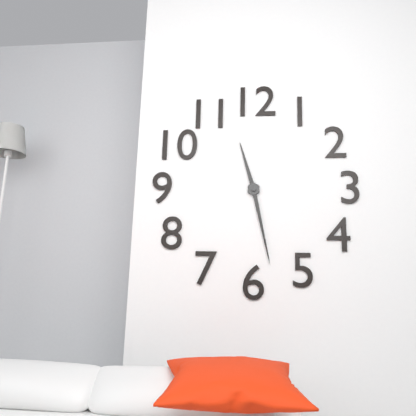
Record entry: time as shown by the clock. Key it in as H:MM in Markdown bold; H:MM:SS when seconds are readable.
**11:28**
